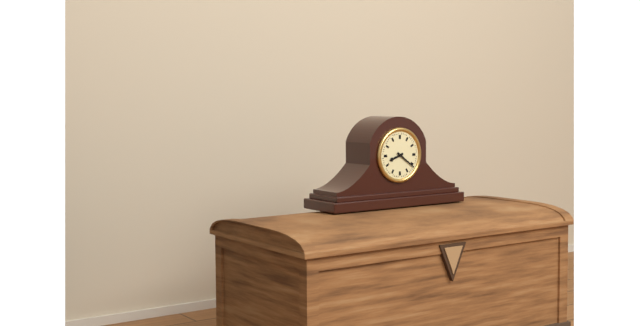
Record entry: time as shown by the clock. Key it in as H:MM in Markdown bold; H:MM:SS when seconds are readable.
**8:21**
